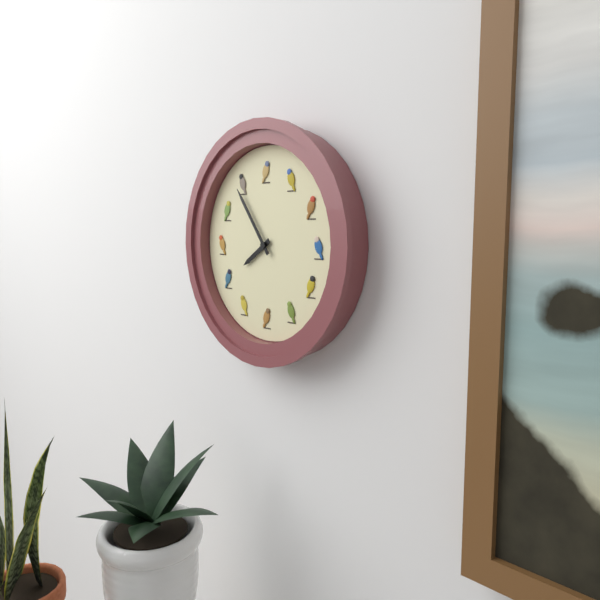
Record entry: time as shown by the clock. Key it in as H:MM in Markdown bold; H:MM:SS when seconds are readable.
**7:54**
